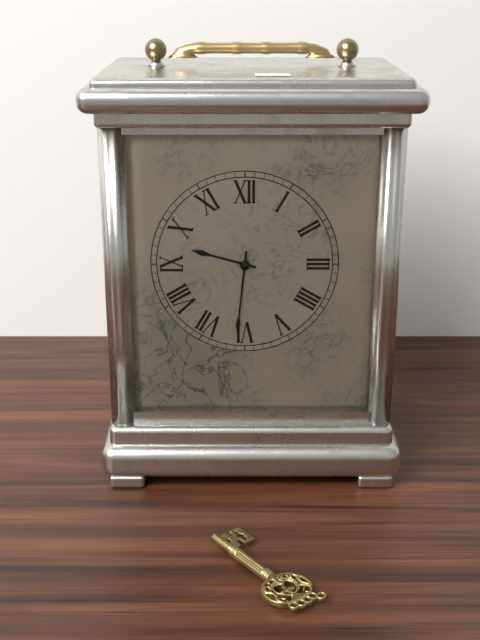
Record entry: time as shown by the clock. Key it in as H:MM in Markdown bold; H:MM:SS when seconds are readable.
**9:31**
